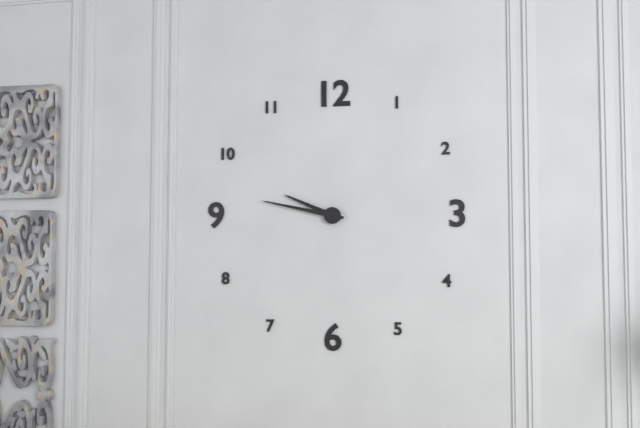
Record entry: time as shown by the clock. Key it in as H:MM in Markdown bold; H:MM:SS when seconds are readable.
**9:47**
